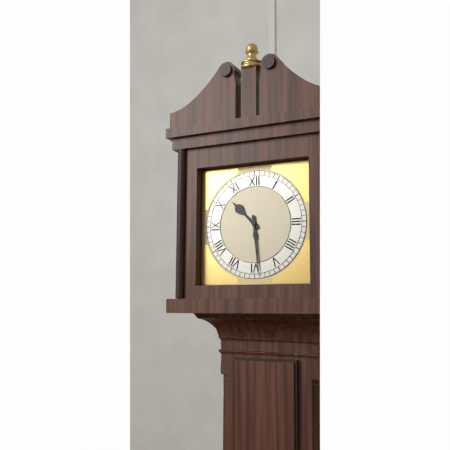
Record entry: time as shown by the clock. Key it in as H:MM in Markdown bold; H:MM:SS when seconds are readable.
**10:29**
